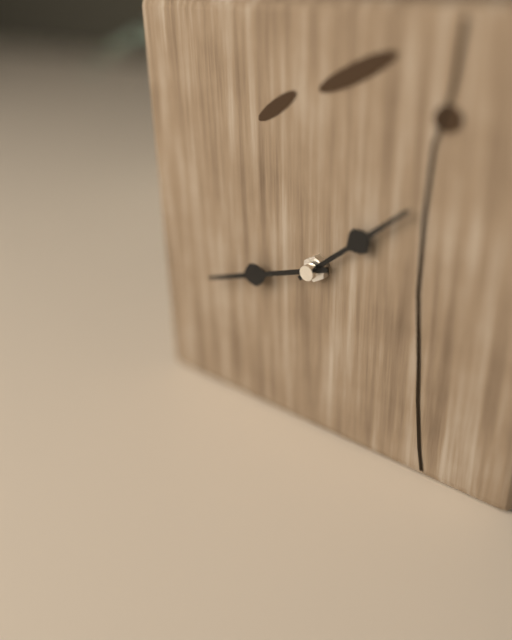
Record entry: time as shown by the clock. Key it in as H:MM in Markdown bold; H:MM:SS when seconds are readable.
**1:42**
